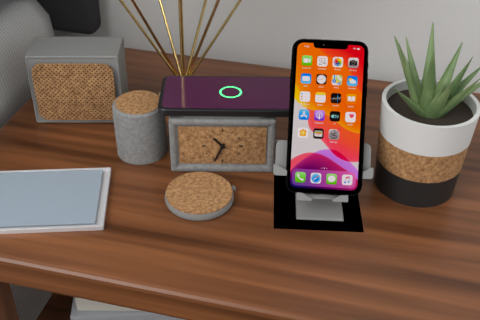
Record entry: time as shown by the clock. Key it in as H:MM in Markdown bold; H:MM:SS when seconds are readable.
**10:34**
